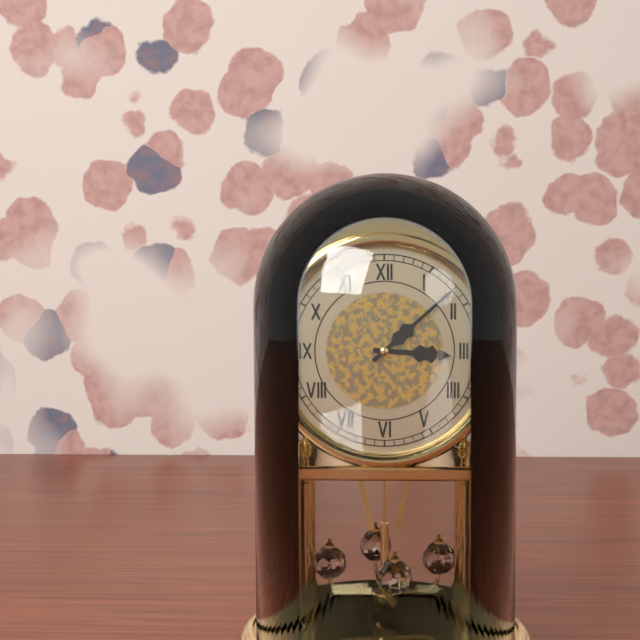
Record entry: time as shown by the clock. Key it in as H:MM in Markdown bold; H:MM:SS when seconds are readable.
**3:08**
